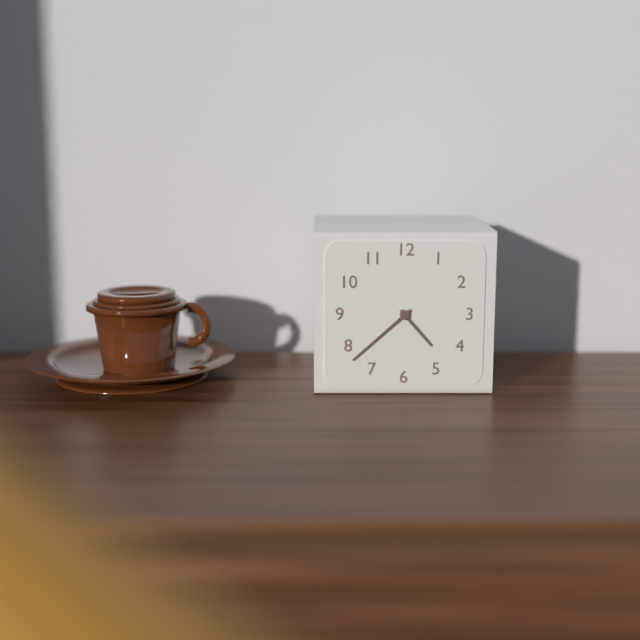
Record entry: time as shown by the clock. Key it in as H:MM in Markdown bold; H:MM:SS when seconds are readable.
**4:38**
